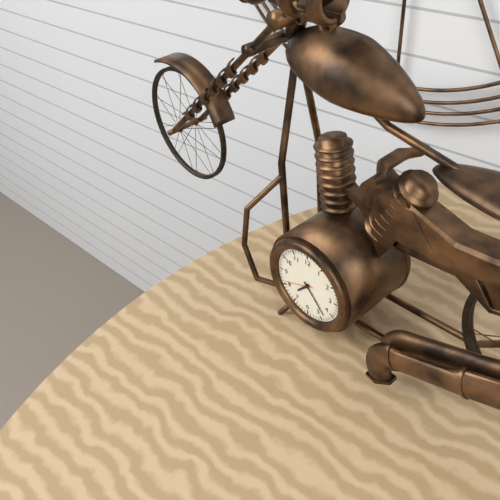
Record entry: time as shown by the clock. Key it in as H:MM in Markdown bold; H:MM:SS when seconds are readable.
**7:23**
